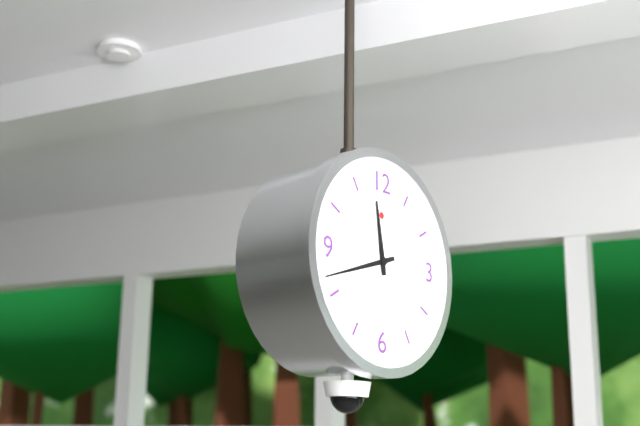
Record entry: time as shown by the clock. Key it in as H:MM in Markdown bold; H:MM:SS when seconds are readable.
**11:42**
